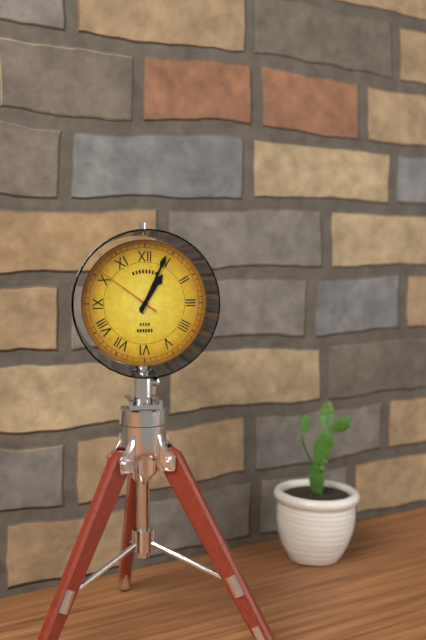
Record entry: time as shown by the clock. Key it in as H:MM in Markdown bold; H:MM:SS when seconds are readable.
**1:04:51**
